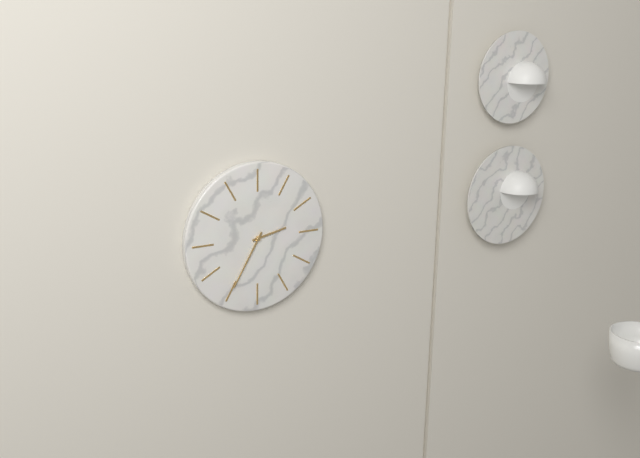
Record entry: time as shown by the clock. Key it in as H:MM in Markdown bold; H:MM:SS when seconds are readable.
**2:35**
